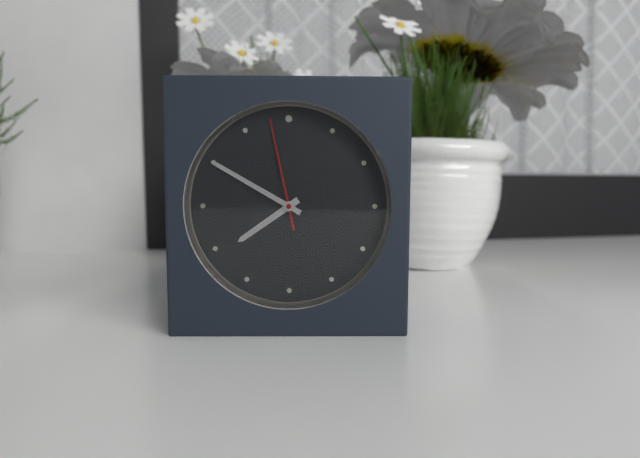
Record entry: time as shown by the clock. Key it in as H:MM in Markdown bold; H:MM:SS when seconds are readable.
**7:50:58**
